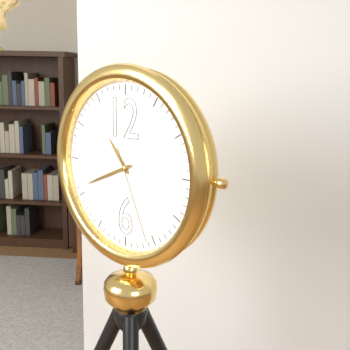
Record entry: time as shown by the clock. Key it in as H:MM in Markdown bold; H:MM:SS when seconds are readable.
**10:41:26**
